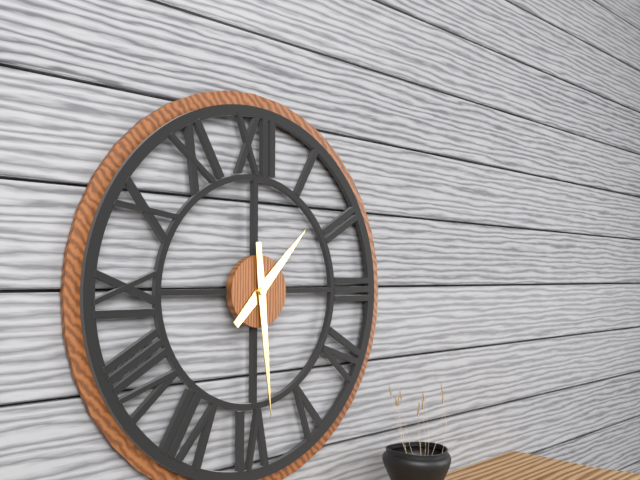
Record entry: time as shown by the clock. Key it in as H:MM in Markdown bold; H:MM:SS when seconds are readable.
**1:29**
